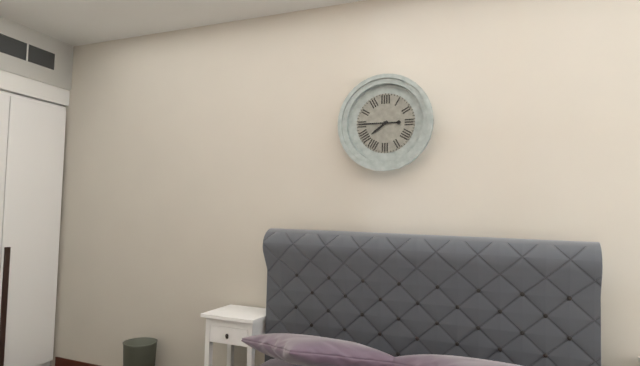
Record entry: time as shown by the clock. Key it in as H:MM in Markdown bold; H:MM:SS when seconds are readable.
**7:45**
